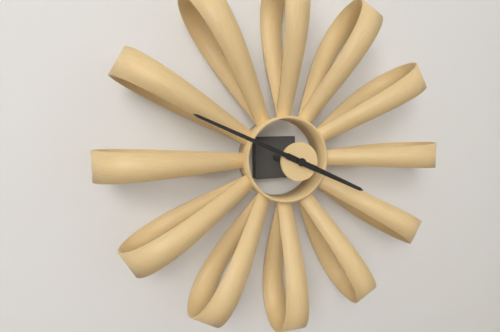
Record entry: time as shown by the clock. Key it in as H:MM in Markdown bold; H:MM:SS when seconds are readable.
**3:49**
